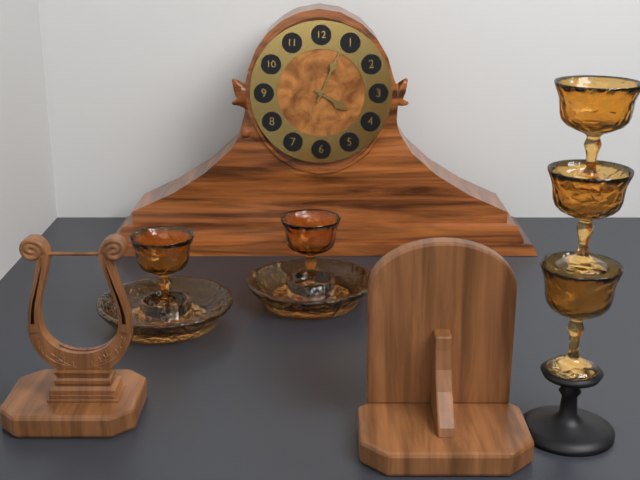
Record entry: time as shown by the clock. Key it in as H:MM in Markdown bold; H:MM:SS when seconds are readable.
**4:04**
